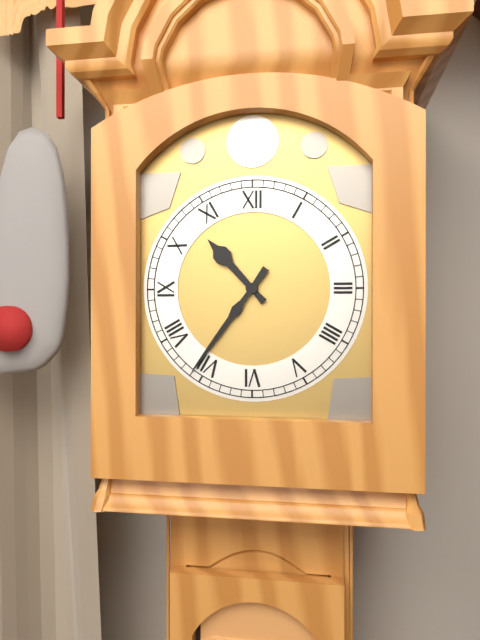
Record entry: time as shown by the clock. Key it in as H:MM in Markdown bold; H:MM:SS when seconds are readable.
**10:36**
